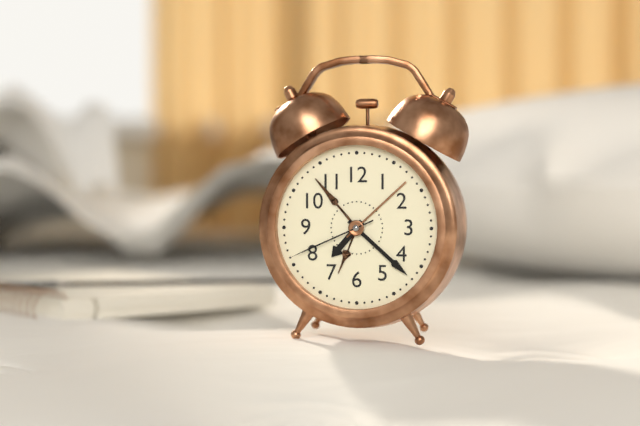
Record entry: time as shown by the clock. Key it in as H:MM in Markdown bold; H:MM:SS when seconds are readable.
**7:22:41**
